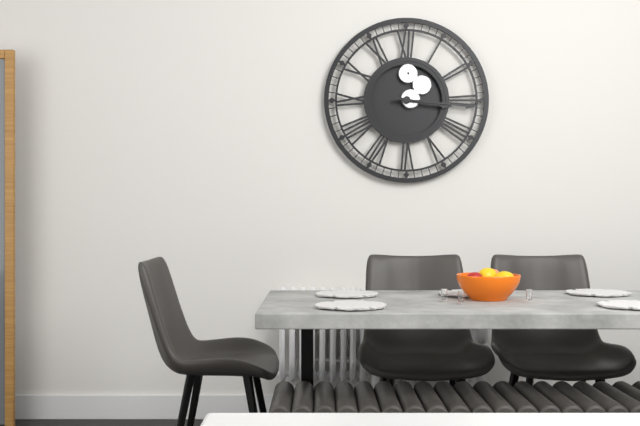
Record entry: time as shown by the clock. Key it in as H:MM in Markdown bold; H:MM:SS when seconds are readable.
**3:16**
